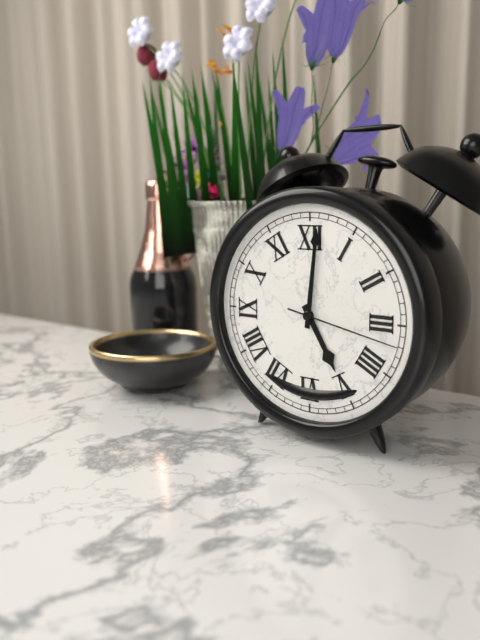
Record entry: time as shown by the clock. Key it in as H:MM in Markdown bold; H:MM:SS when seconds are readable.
**5:01:17**
